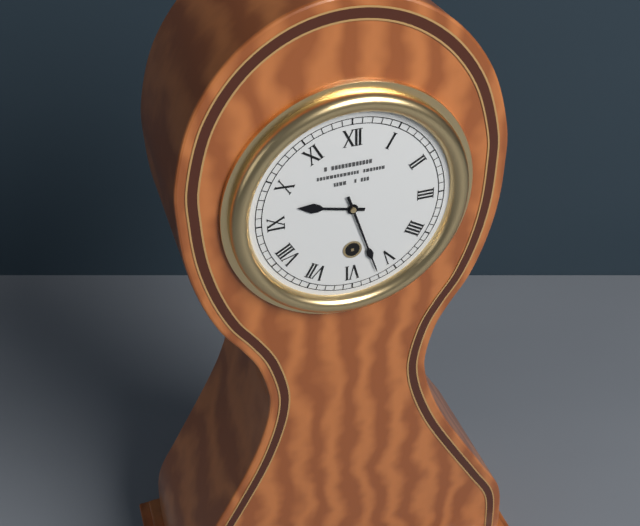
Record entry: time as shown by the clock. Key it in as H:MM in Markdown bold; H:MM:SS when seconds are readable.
**9:27**
